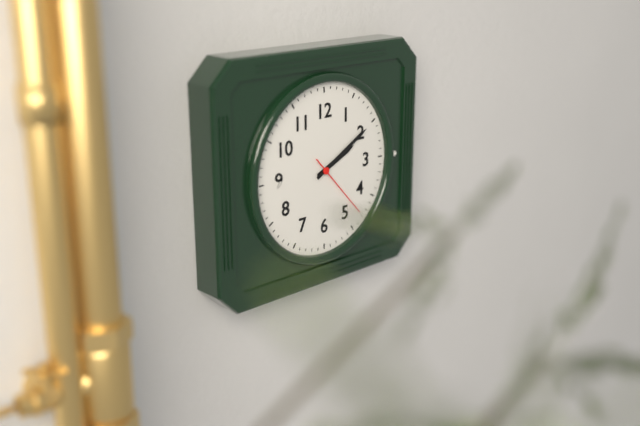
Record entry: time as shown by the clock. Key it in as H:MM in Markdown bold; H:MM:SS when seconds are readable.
**2:10:23**
